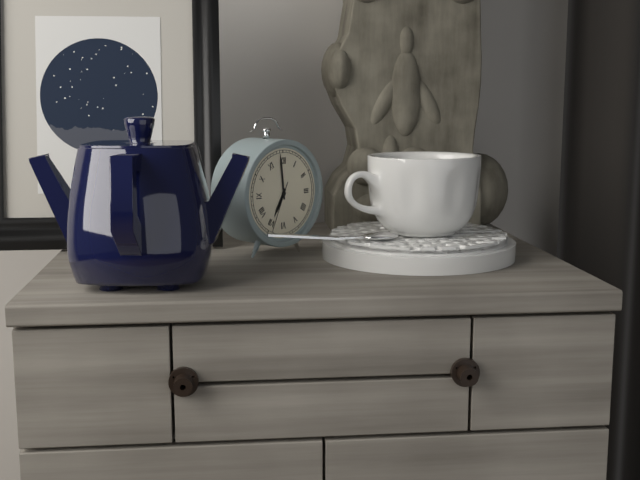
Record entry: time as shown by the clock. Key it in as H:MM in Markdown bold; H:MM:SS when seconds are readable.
**6:59:34**
